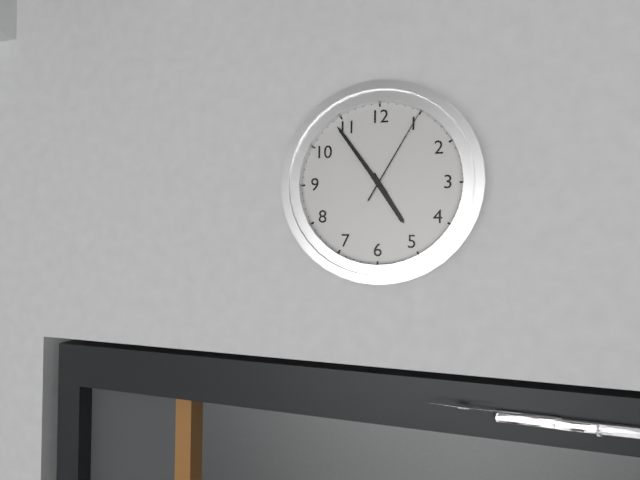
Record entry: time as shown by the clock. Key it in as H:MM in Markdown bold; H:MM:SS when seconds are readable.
**4:54:05**
